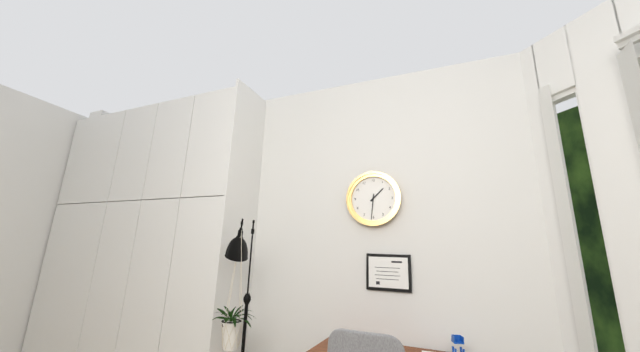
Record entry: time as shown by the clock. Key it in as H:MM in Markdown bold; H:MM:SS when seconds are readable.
**1:31**
